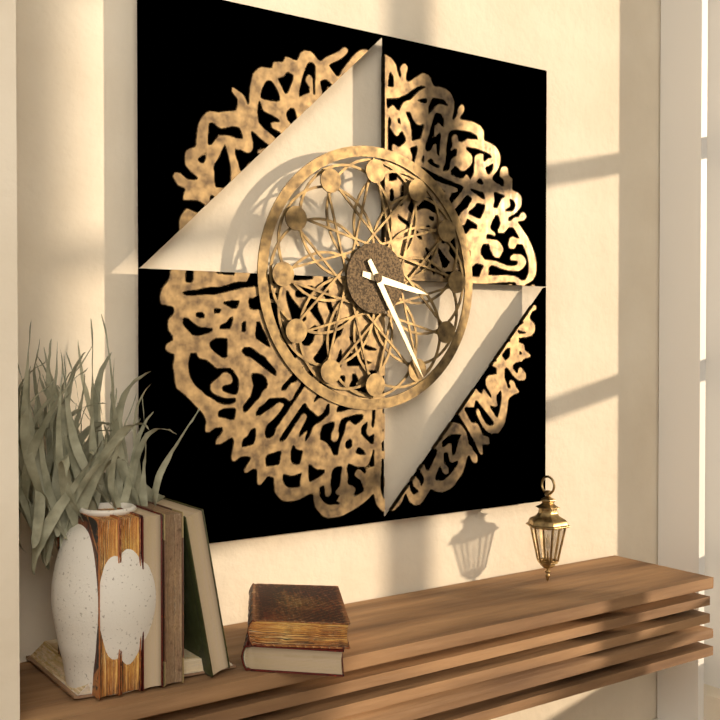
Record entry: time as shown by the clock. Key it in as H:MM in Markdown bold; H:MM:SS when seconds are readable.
**3:25**
